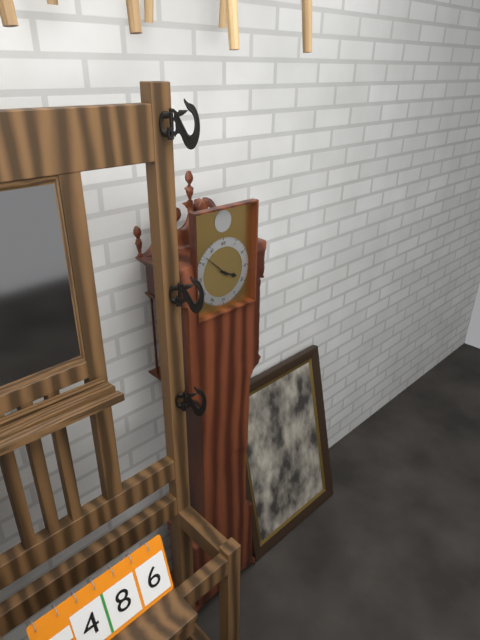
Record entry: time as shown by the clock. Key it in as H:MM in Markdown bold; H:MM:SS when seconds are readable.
**3:52**
